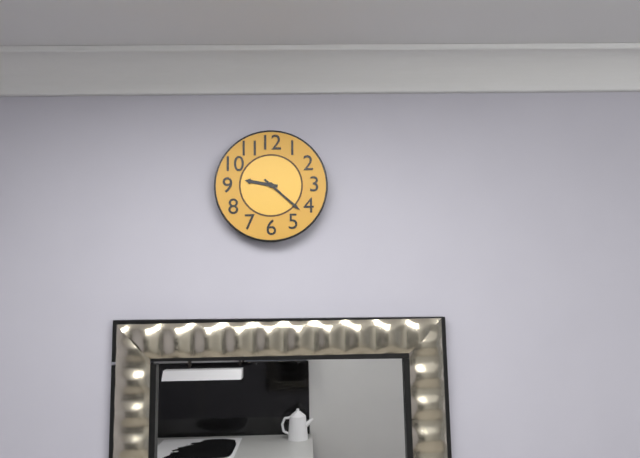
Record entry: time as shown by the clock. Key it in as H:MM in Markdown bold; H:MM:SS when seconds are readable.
**9:22**
